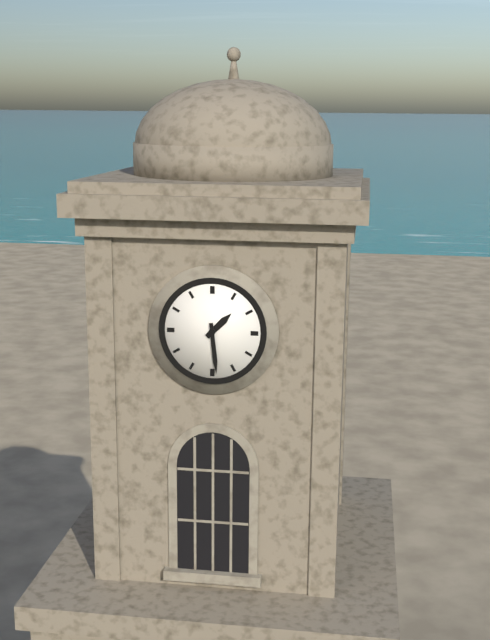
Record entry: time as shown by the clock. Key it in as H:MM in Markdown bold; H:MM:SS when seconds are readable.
**1:29**
